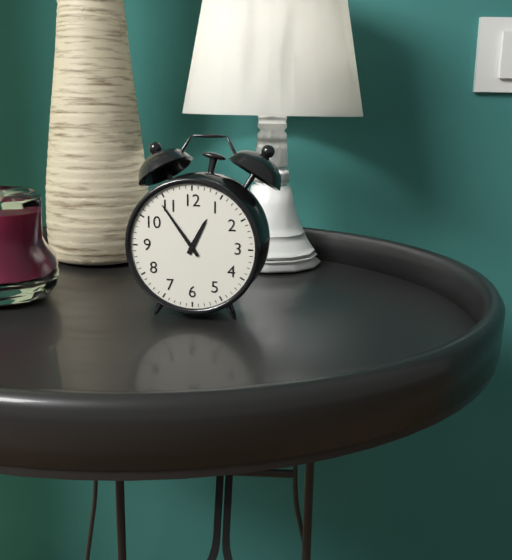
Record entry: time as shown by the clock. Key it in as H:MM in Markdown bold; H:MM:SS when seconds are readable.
**12:54**
